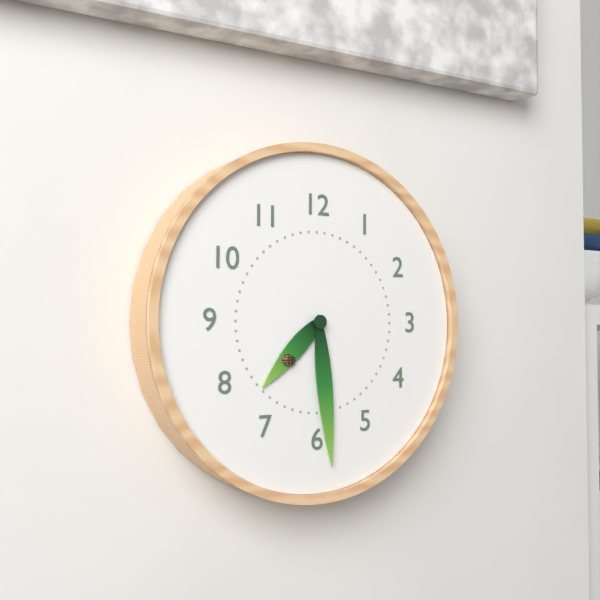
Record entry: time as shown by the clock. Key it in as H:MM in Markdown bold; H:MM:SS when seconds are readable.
**7:29**
